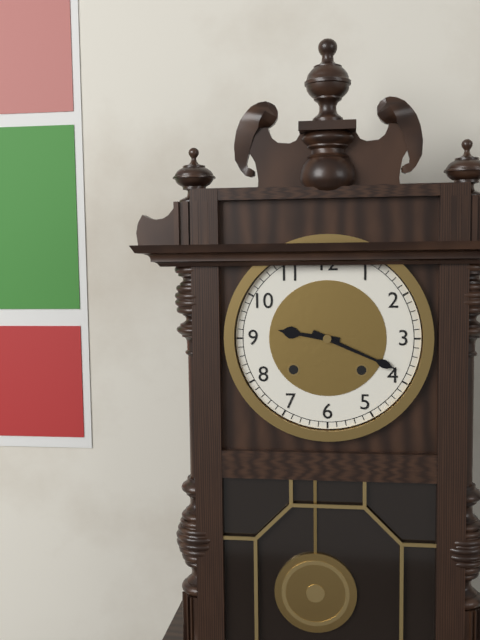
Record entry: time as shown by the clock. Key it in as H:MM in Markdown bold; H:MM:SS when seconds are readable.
**9:19**
